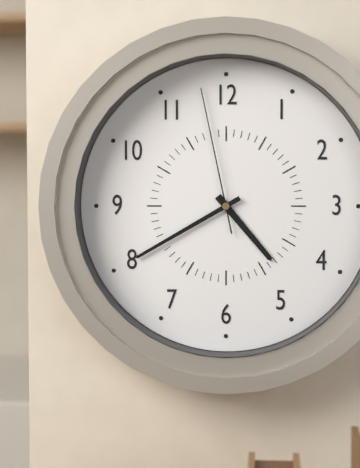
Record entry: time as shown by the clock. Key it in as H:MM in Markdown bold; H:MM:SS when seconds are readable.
**4:40:58**
